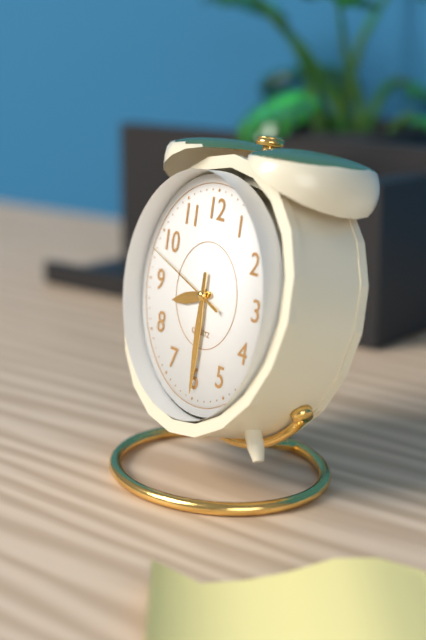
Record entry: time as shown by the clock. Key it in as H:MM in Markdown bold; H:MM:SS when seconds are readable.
**8:30:48**
